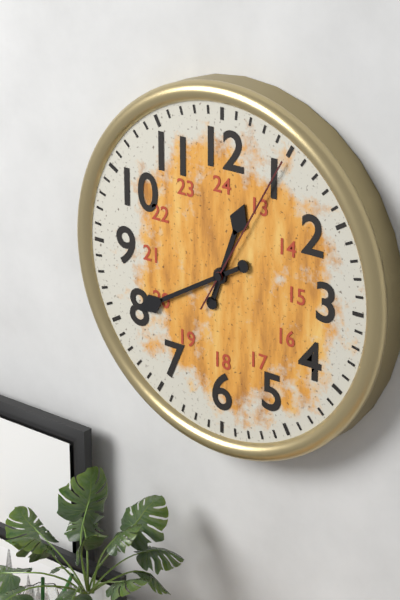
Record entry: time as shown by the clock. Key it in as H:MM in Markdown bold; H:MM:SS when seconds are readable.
**12:40:05**
